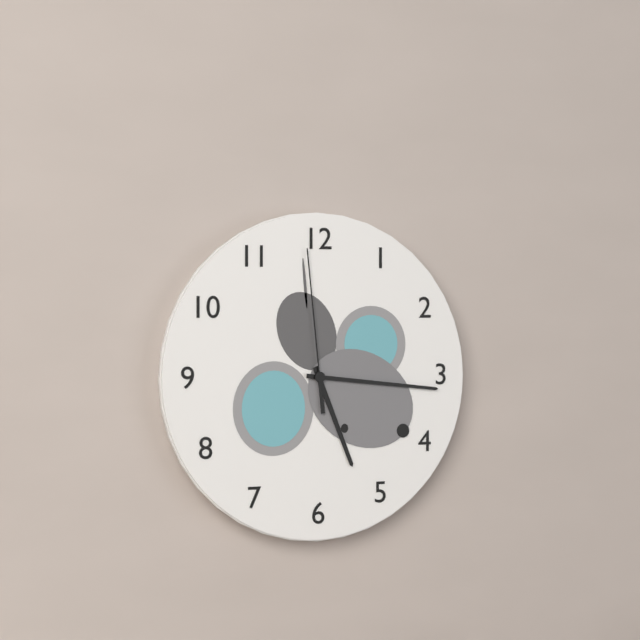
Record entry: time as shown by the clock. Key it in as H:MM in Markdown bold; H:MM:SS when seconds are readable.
**5:16:59**
